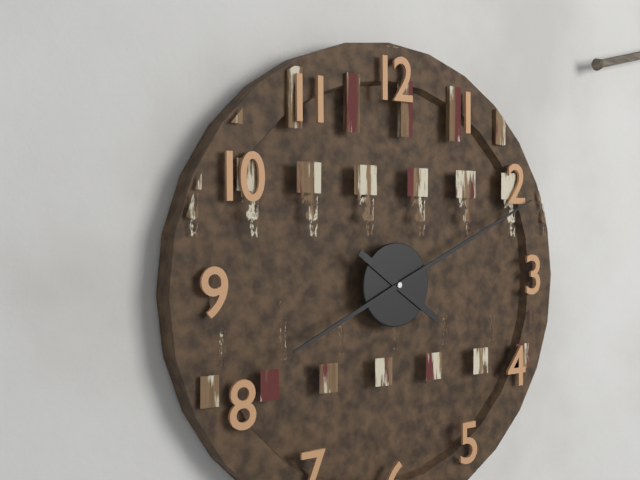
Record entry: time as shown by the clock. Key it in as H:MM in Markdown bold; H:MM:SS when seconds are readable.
**4:11**
